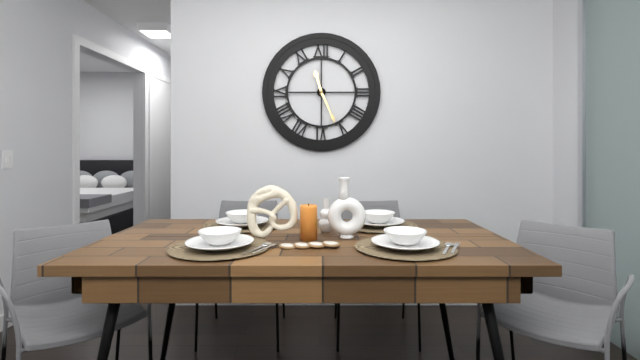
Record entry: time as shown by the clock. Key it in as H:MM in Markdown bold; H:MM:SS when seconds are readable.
**11:26**
